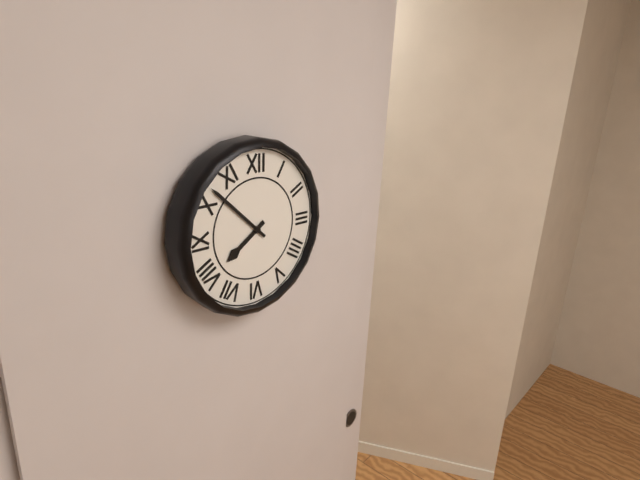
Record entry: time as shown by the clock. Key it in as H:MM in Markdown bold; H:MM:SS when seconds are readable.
**7:52**
